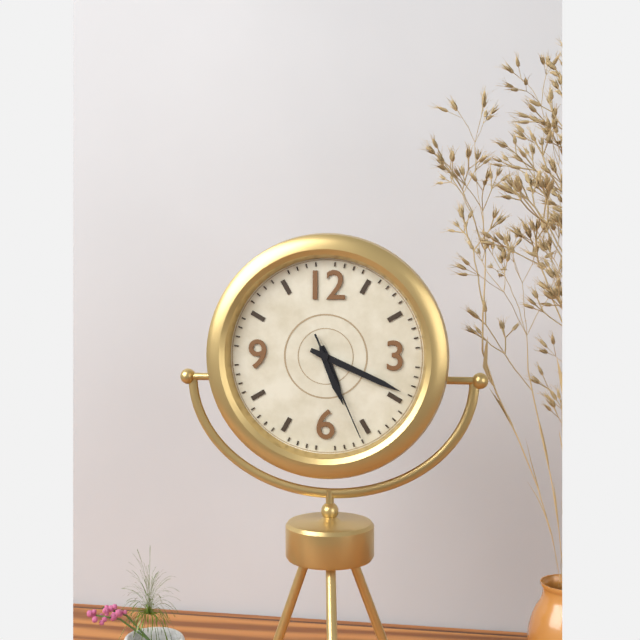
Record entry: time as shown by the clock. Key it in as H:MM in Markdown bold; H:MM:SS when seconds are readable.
**5:19:26**
